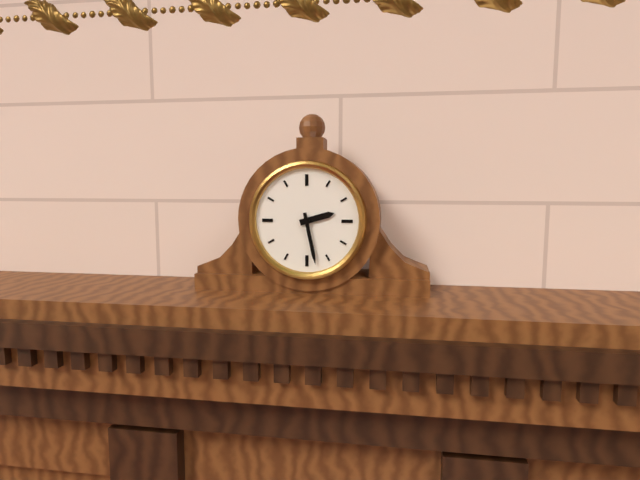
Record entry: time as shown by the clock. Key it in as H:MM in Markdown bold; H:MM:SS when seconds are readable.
**2:28**
